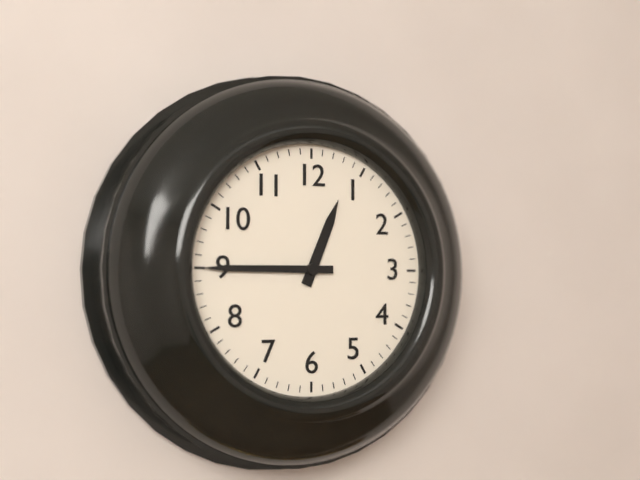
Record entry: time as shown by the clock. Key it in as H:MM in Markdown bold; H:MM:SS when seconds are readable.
**12:45**
